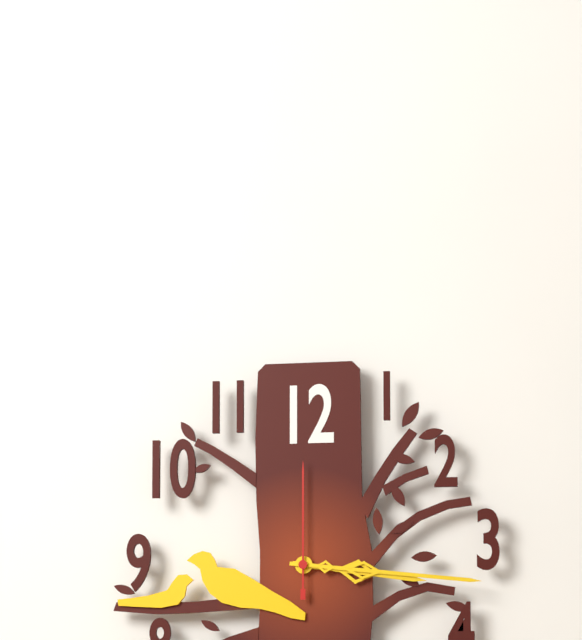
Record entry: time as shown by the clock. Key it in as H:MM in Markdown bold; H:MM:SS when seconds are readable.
**3:16:00**
